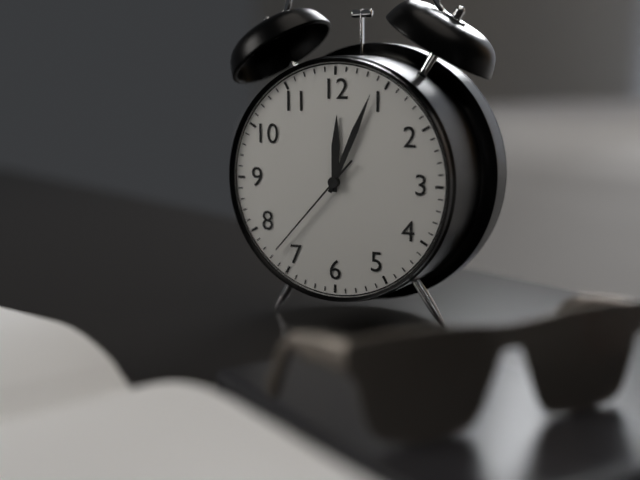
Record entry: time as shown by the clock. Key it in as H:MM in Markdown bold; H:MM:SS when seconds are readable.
**12:04:37**
